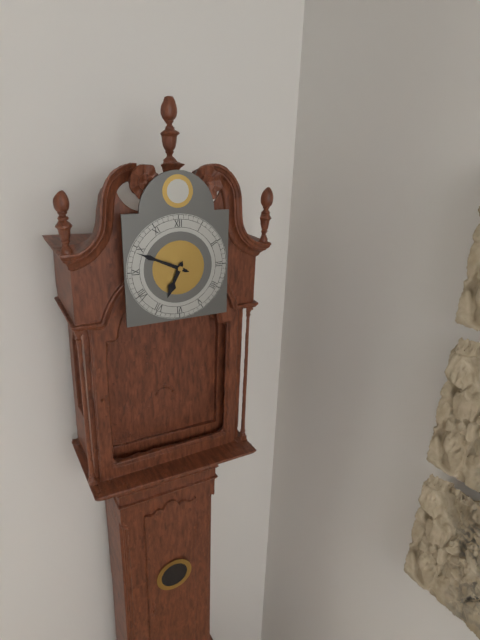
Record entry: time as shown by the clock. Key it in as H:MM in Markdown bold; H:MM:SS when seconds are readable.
**6:49**
